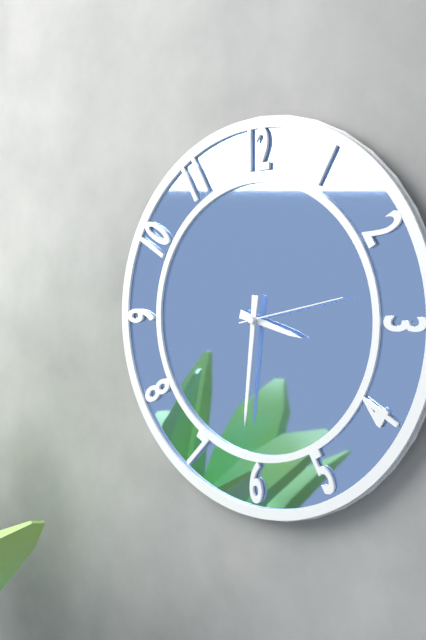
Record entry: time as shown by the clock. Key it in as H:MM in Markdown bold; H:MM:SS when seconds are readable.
**3:31:13**
